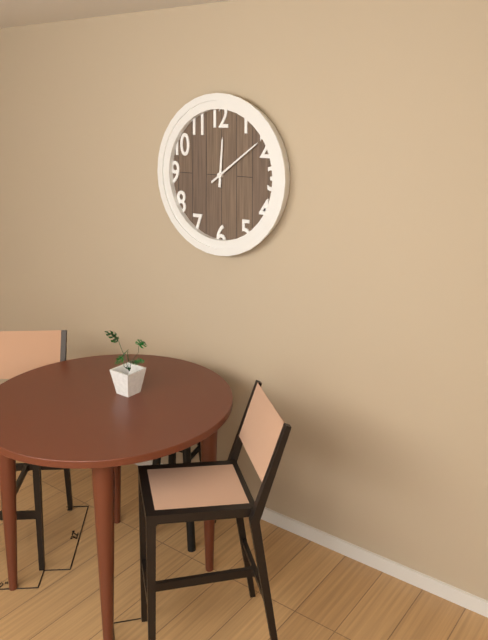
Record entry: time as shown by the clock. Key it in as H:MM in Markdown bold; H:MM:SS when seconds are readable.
**12:09**
